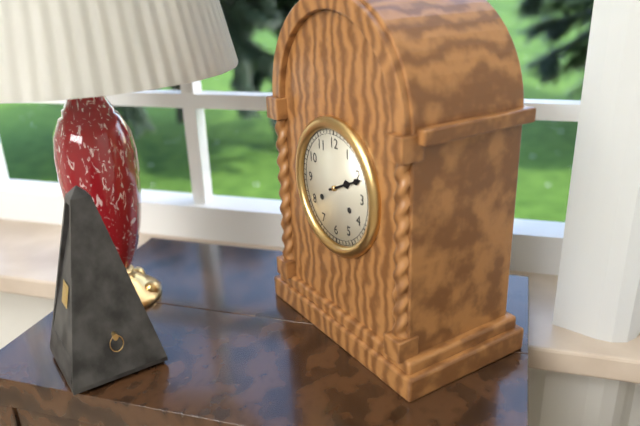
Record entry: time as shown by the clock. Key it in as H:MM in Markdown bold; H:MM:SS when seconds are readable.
**2:11**
